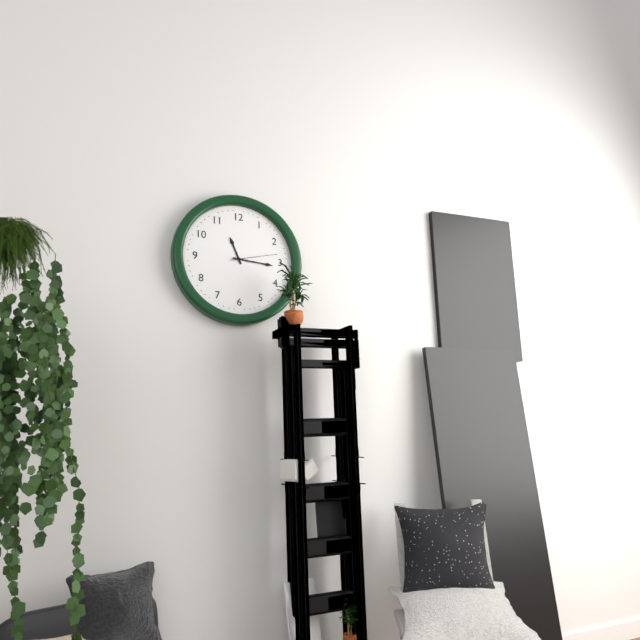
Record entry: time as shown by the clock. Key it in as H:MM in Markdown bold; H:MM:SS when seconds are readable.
**11:16:13**
